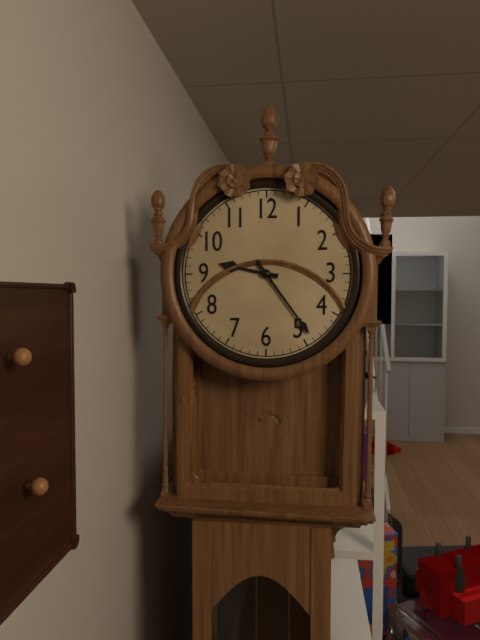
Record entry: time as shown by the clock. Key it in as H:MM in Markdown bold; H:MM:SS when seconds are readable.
**9:24**
